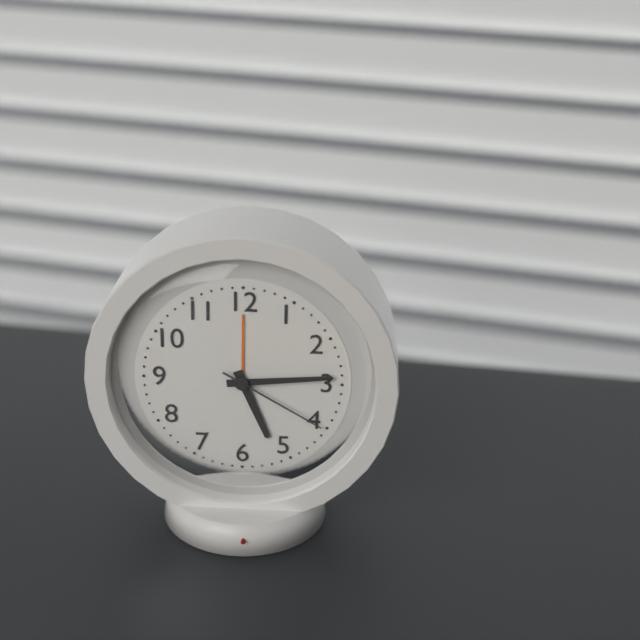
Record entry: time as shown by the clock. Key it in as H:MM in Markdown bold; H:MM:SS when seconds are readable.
**5:14:20**
